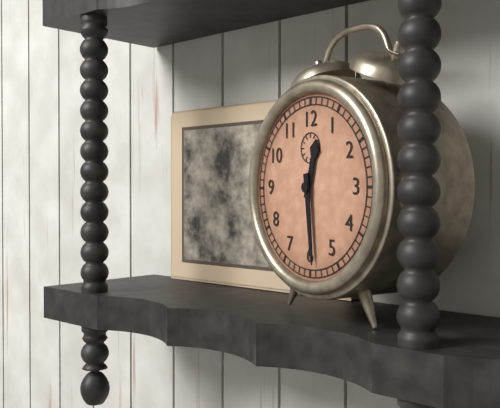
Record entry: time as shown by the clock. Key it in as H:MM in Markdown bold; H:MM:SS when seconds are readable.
**12:29**
